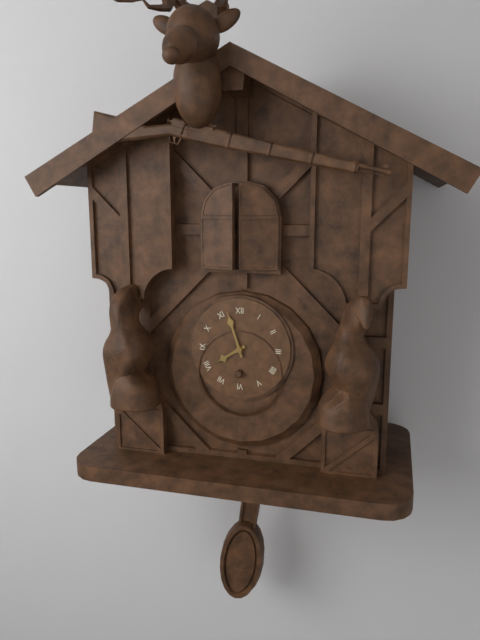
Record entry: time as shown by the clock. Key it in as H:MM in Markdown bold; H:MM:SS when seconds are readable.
**7:57**
